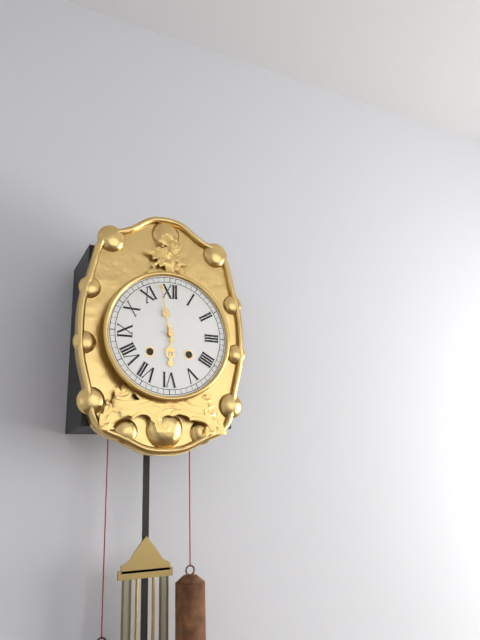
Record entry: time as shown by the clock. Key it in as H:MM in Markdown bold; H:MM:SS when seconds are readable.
**5:58**
